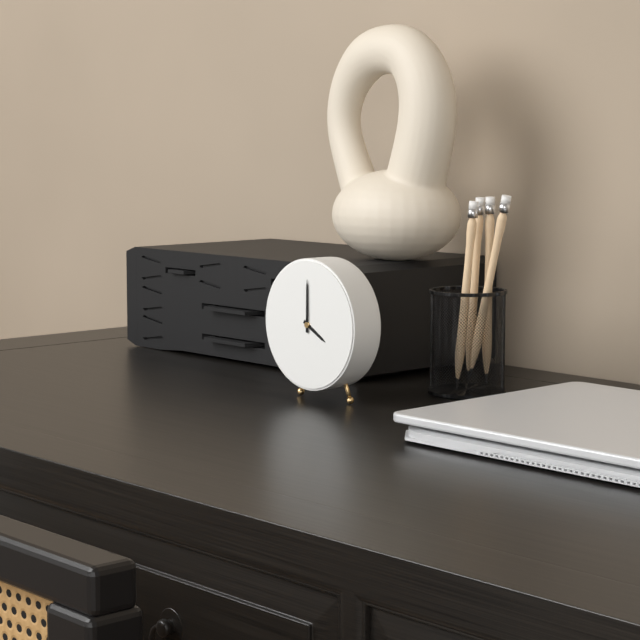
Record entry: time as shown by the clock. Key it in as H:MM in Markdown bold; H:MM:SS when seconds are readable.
**4:00**
